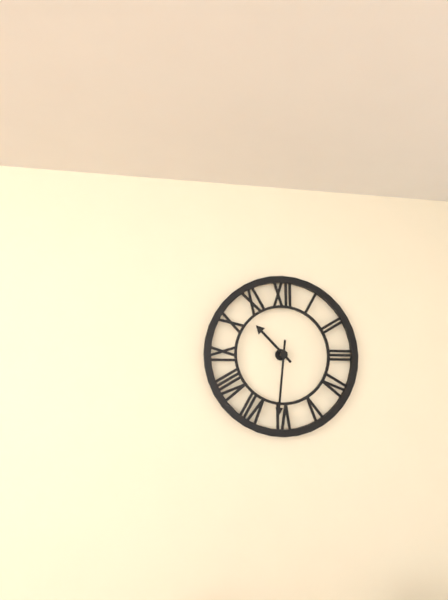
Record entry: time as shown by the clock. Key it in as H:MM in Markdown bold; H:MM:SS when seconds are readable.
**10:31**
